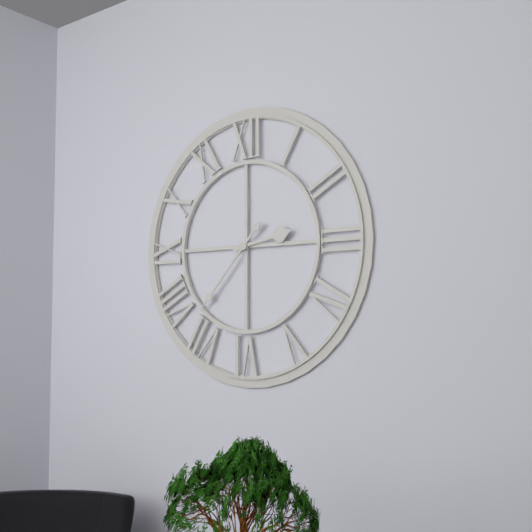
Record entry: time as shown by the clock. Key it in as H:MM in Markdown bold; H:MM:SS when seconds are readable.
**2:37**
